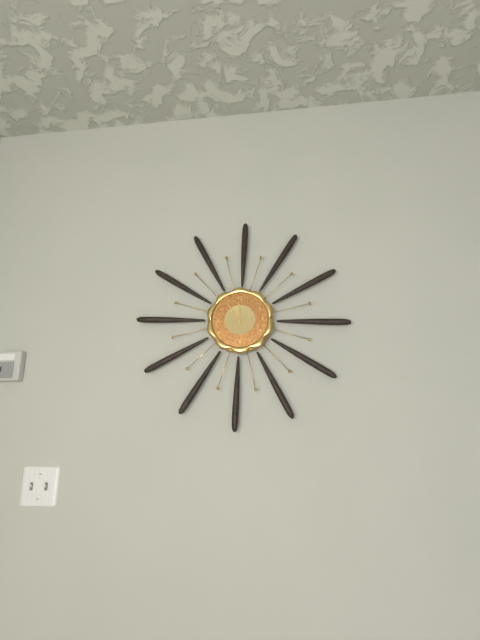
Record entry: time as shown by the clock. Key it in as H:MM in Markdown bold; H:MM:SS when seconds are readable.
**11:54**
